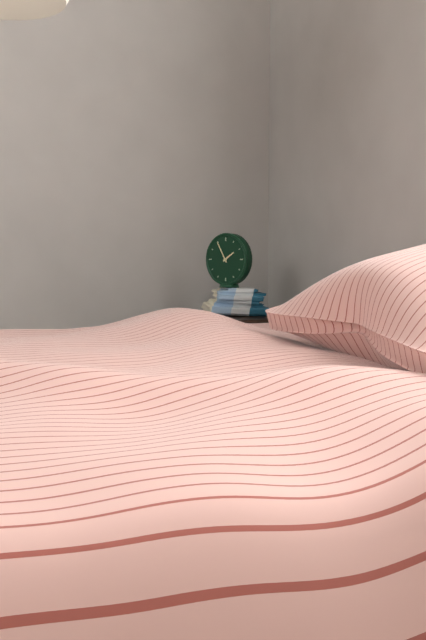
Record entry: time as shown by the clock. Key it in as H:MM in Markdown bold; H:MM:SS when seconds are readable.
**1:55**
